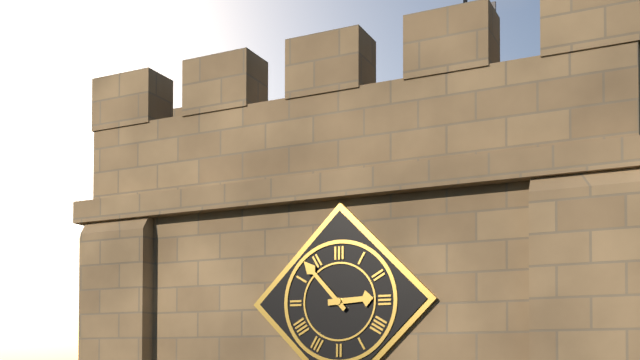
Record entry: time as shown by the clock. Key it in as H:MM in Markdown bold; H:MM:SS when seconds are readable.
**2:53**
